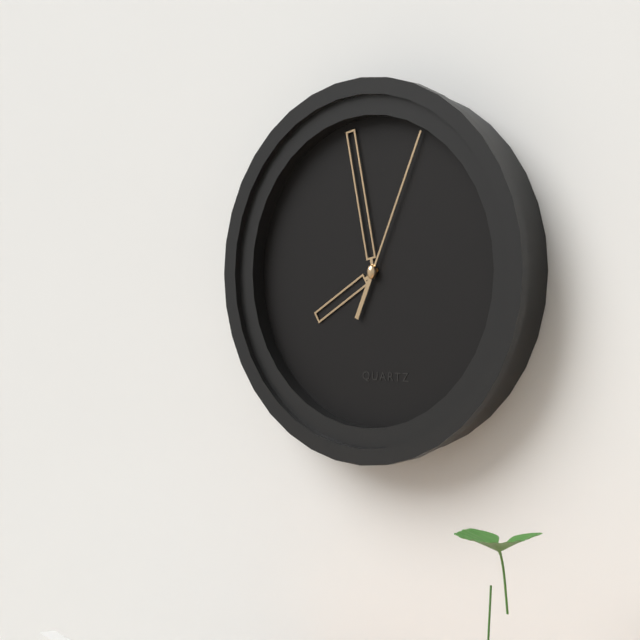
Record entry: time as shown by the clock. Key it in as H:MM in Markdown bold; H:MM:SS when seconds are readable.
**7:58:04**
